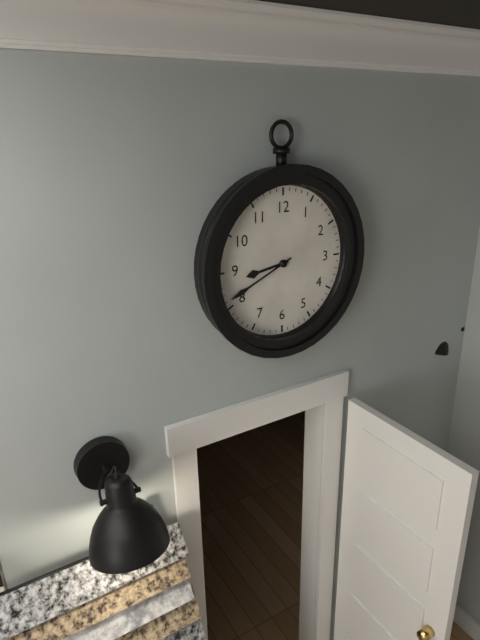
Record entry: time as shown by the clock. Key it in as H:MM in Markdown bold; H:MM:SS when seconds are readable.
**8:41**
